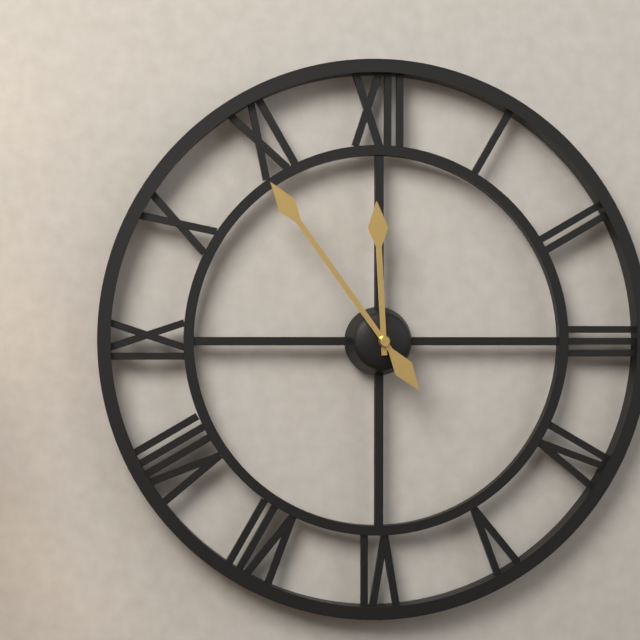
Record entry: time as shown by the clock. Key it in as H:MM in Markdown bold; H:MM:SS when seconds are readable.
**11:54**
